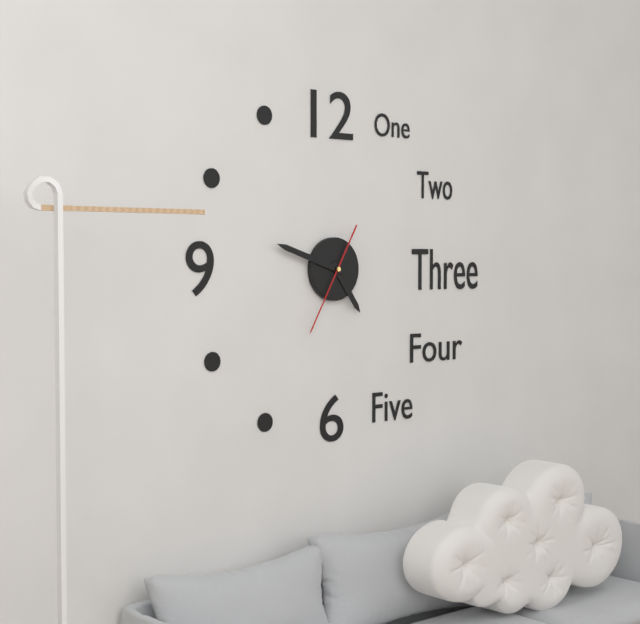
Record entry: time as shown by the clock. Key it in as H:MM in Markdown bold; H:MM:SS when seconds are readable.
**4:48:35**
